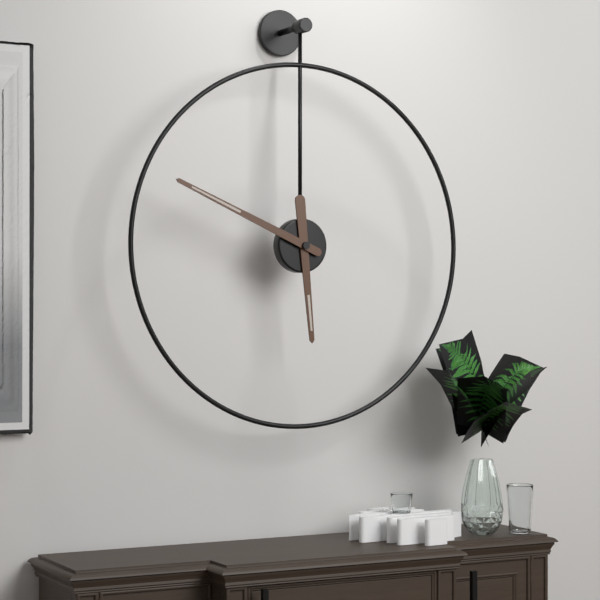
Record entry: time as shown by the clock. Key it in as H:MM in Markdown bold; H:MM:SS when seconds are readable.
**5:49**
